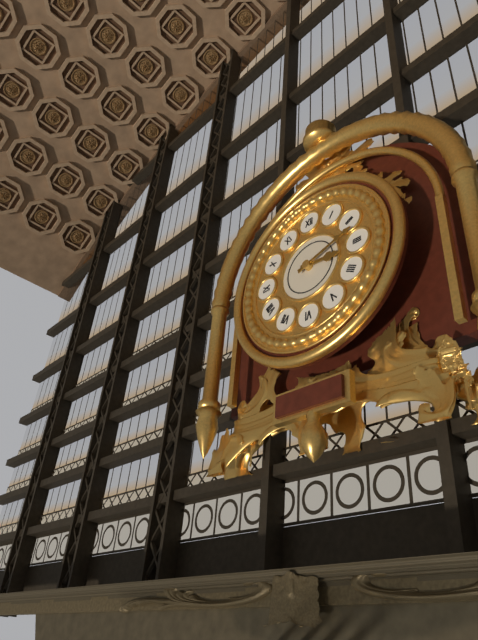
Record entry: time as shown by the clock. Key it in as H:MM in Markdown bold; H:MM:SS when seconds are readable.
**3:12**
